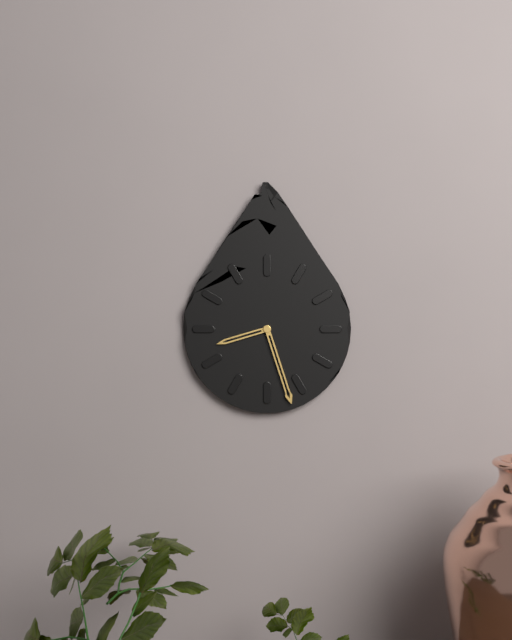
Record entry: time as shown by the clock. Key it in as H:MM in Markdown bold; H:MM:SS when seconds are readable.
**8:27**
